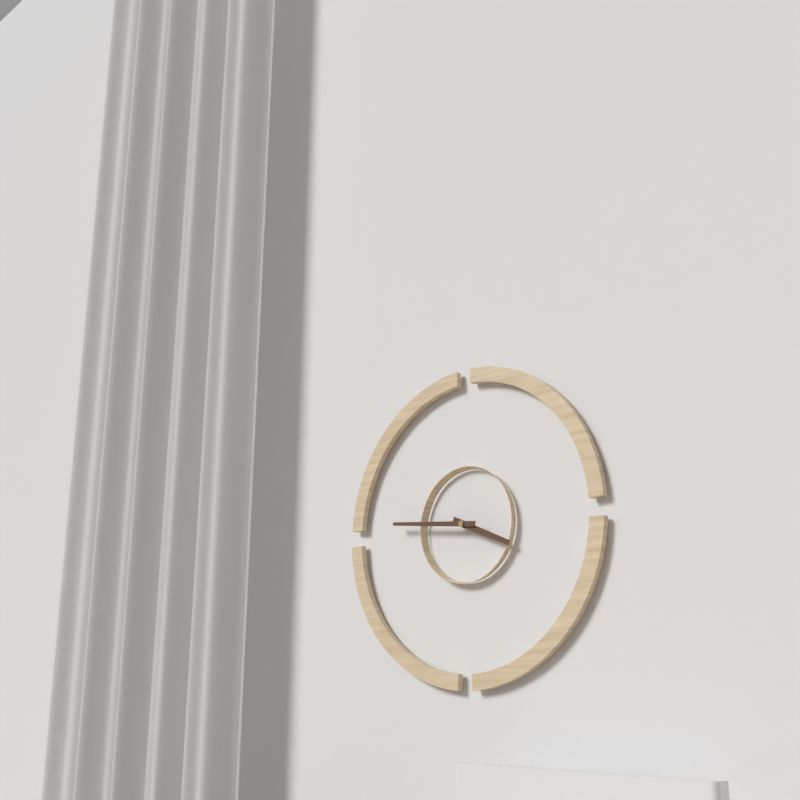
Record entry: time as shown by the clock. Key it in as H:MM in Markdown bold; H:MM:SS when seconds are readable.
**3:46**
